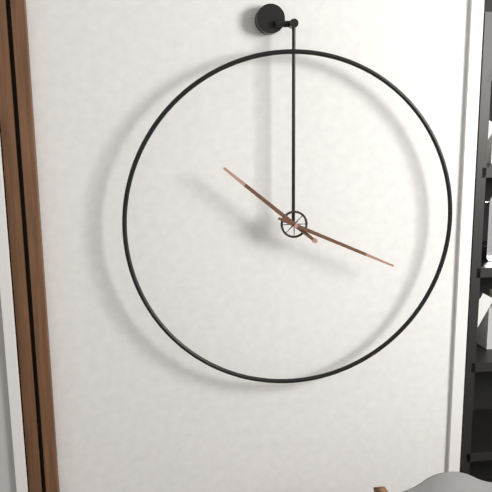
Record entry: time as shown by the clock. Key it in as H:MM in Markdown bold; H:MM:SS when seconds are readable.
**10:19**
